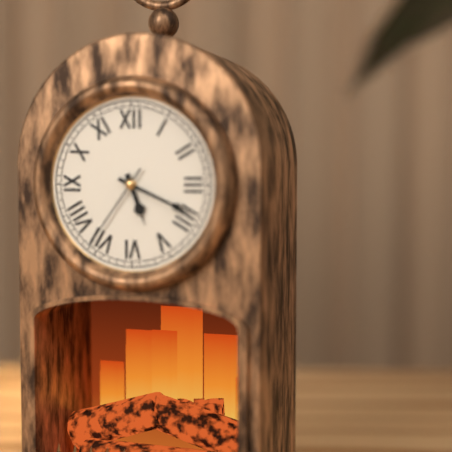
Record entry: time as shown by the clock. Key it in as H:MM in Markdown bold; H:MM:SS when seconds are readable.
**5:19:36**
